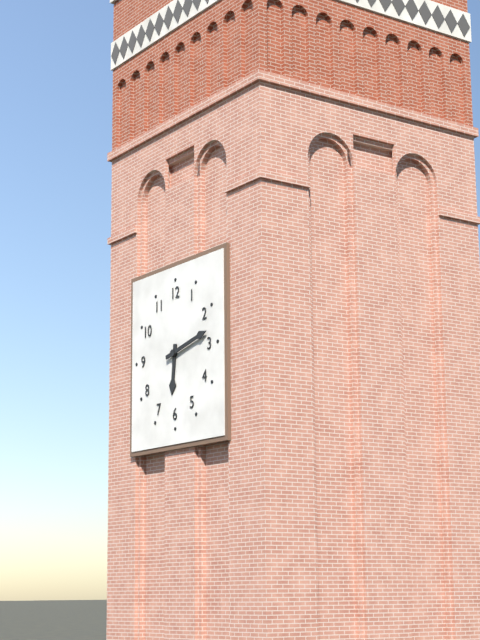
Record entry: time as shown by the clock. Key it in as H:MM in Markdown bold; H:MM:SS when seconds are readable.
**6:13**
